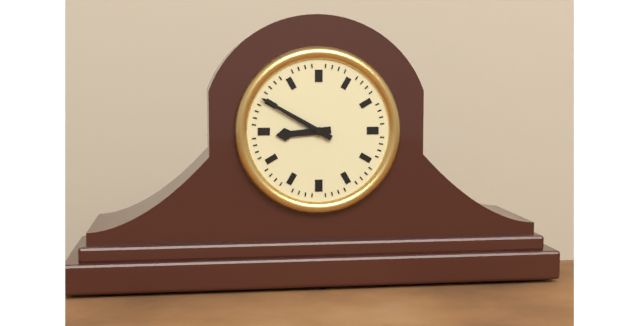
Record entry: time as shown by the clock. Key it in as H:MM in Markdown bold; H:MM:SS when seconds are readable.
**8:50**
